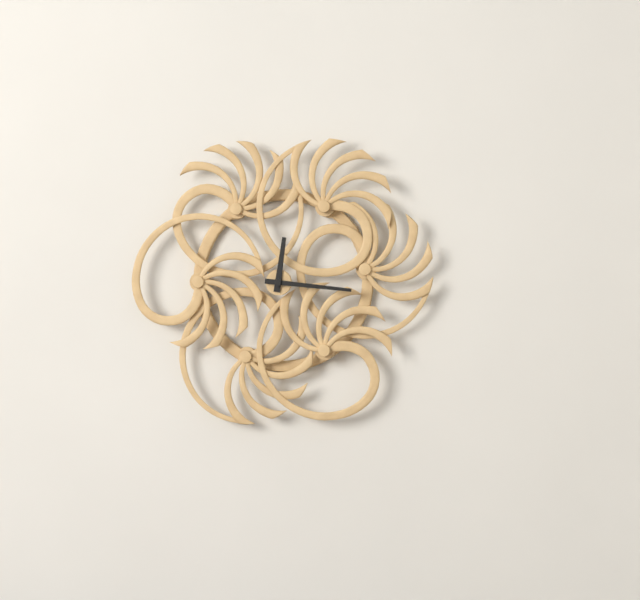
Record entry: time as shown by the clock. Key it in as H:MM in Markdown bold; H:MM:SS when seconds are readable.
**12:16**
